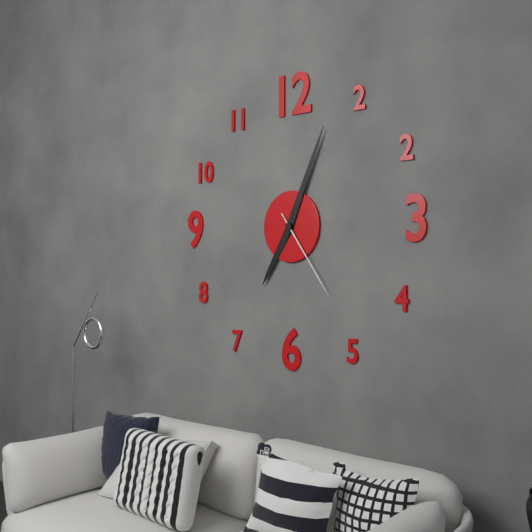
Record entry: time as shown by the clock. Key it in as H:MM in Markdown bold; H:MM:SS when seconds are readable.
**7:04:24**
